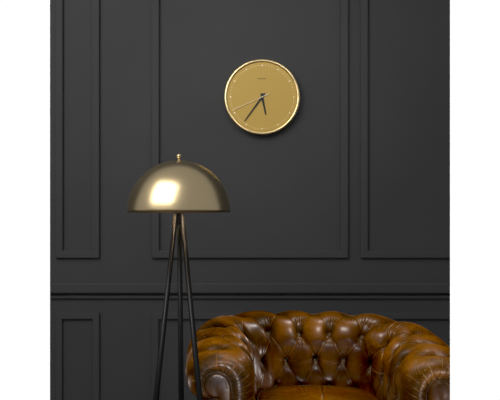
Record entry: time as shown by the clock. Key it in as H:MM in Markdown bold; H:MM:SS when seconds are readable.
**5:36**
